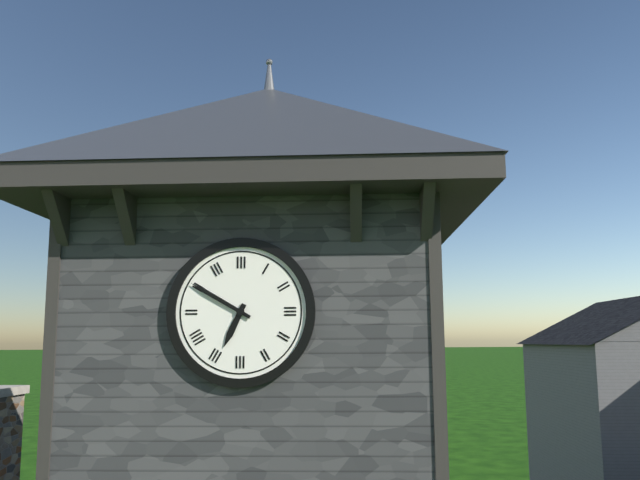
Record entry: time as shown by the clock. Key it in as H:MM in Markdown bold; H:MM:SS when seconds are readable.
**6:50**
